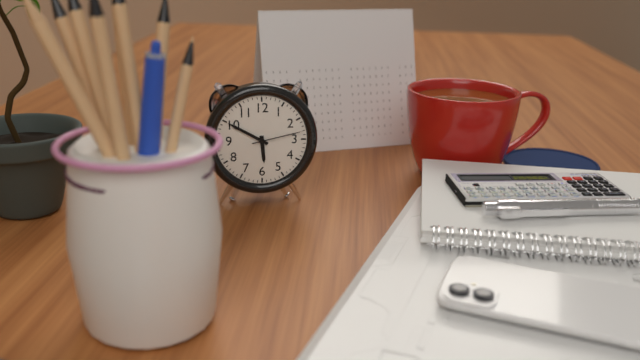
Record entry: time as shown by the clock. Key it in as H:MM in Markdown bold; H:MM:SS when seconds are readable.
**5:50:13**
